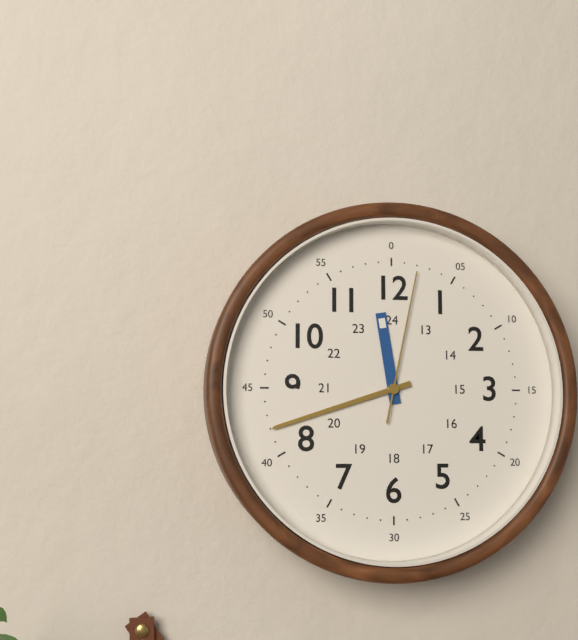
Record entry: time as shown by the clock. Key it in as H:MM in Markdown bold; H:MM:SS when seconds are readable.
**11:42:02**
